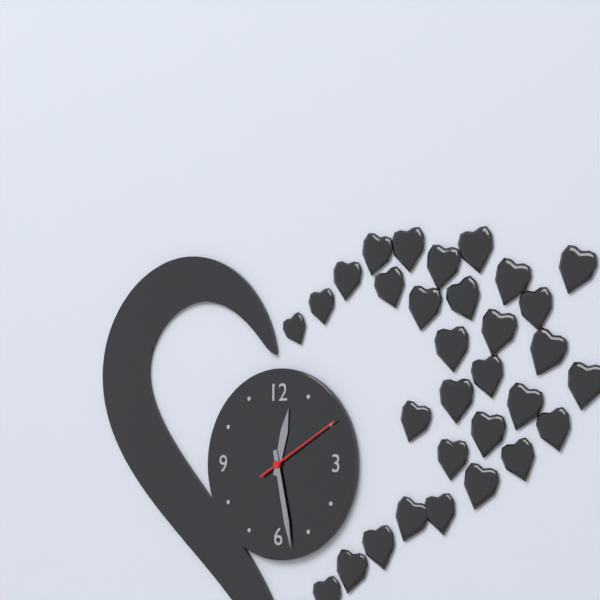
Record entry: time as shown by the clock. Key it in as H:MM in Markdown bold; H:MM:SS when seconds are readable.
**12:28:10**
